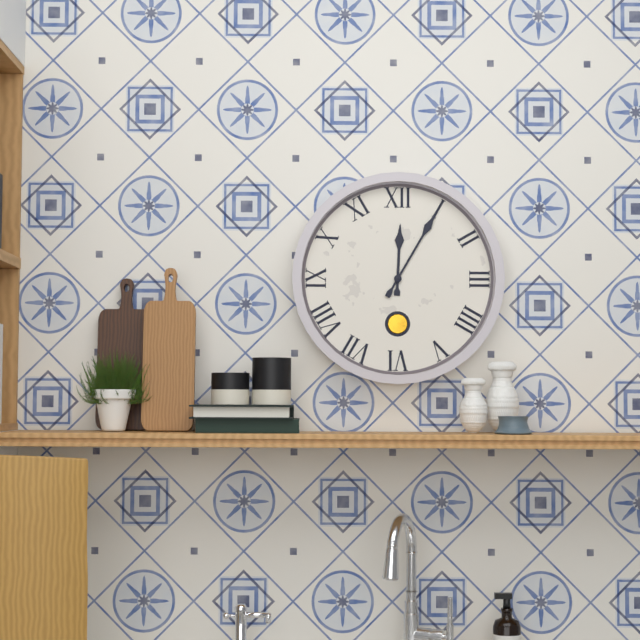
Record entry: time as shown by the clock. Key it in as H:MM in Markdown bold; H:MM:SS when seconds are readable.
**12:05**
